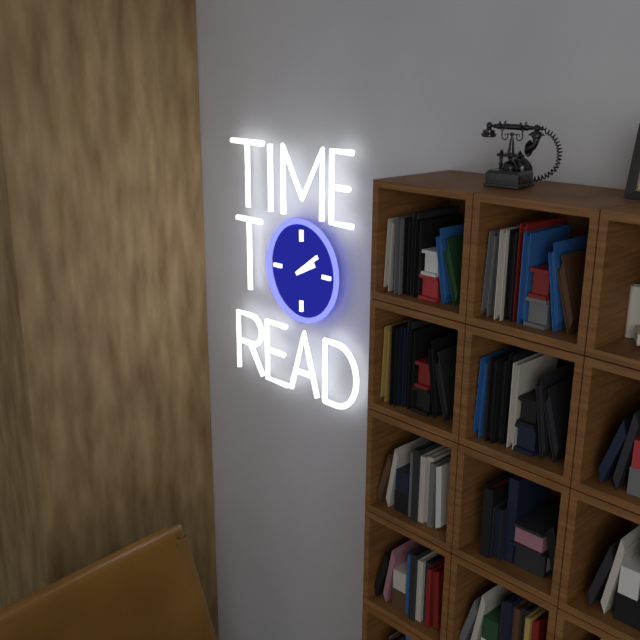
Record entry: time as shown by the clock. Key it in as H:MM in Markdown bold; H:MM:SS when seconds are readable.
**2:09**
